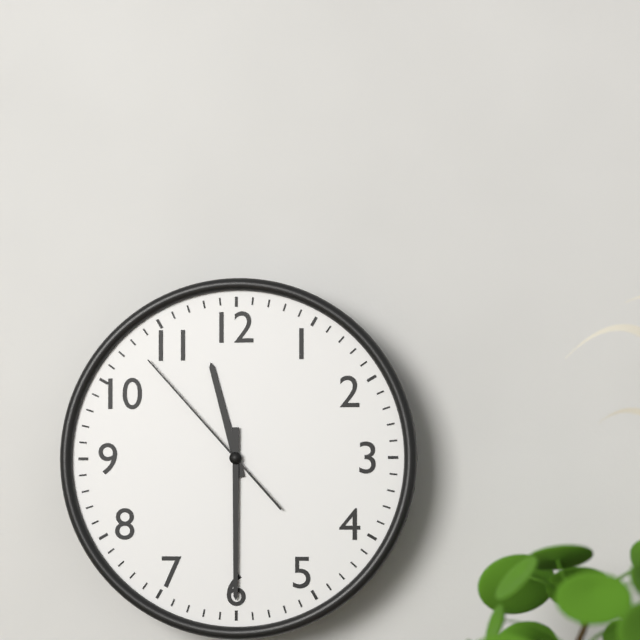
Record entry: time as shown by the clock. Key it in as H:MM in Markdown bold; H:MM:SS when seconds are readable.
**11:30:53**
